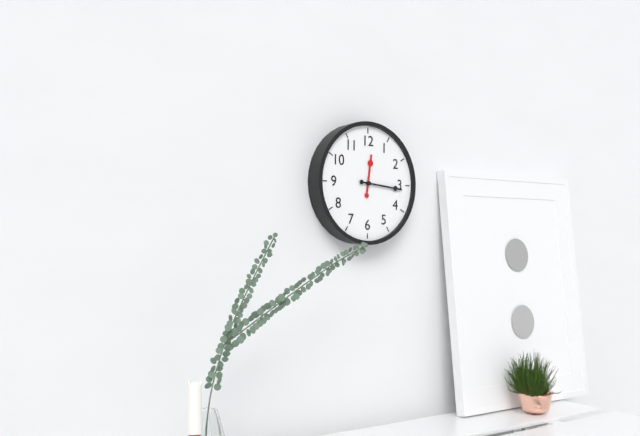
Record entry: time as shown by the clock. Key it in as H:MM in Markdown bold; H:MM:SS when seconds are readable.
**12:16**
